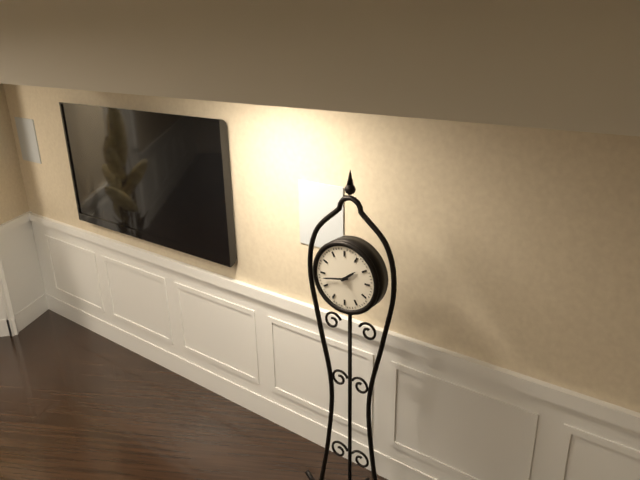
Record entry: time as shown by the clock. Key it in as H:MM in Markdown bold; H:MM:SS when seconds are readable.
**1:43**
